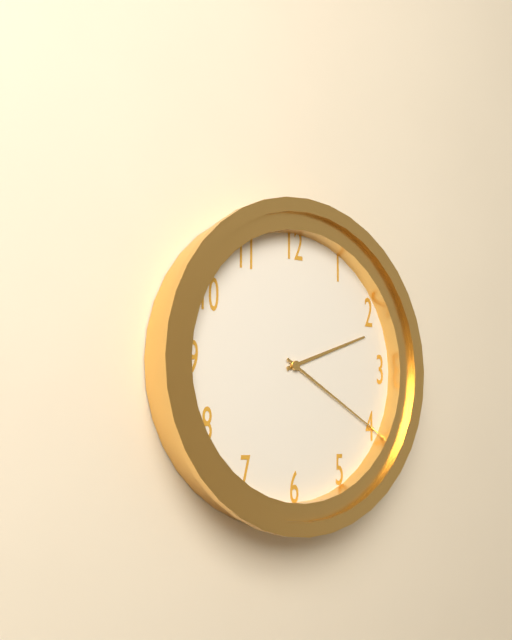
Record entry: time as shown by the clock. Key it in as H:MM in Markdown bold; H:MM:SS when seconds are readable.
**2:20**
